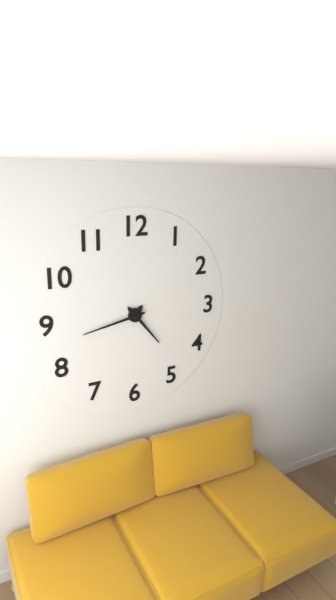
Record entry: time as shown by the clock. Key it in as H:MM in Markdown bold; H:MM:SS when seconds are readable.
**4:43**
